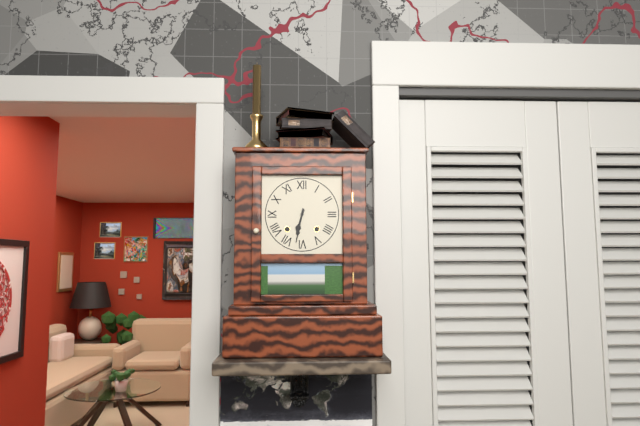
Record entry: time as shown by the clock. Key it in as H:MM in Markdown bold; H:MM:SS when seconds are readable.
**6:32**
